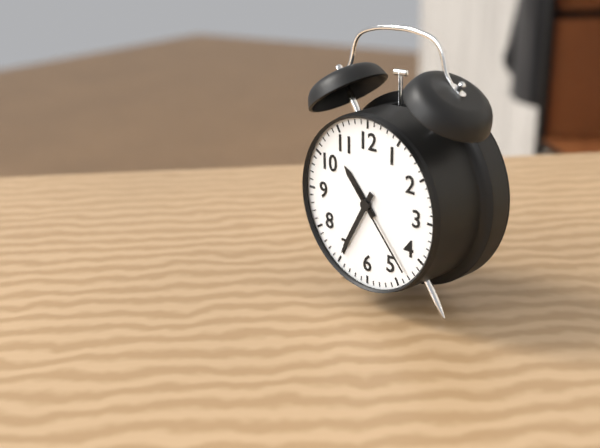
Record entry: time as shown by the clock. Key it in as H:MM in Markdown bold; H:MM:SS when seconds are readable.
**10:35:23**
